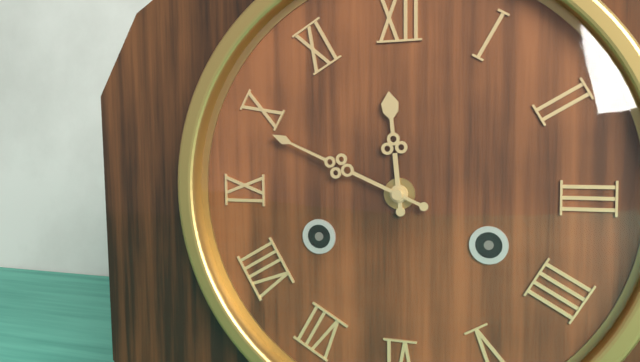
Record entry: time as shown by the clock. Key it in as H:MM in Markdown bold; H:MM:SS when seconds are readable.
**11:49**
